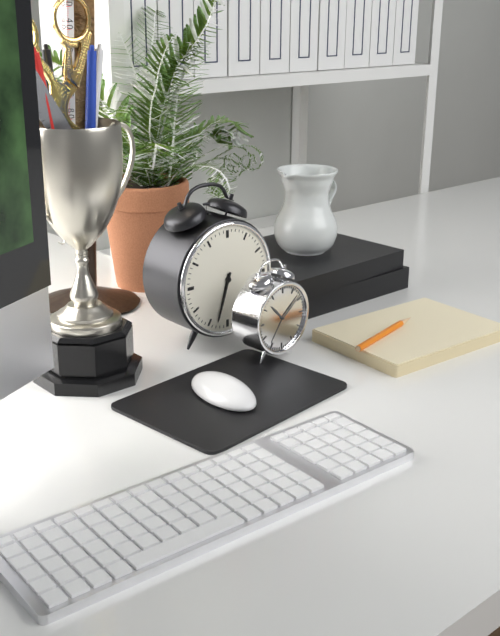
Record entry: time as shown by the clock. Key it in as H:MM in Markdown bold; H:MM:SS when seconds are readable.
**6:33**
